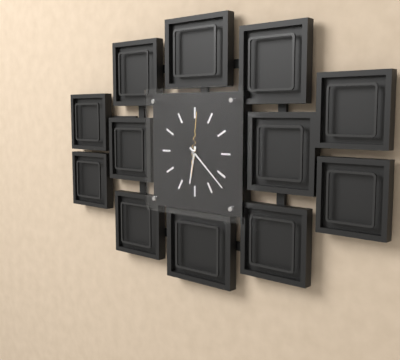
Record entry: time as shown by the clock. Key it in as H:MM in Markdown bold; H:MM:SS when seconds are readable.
**6:22:01**
